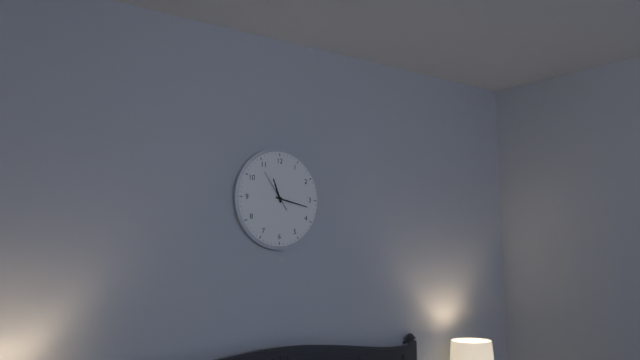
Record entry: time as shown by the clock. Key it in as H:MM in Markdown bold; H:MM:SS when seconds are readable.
**11:17**
